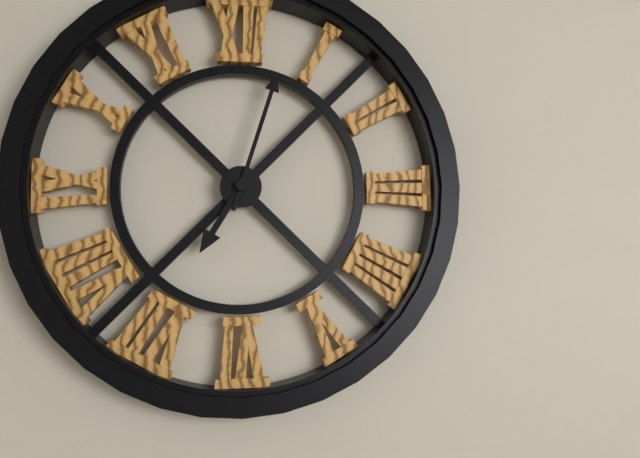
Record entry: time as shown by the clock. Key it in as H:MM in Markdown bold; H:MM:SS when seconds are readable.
**7:03**
